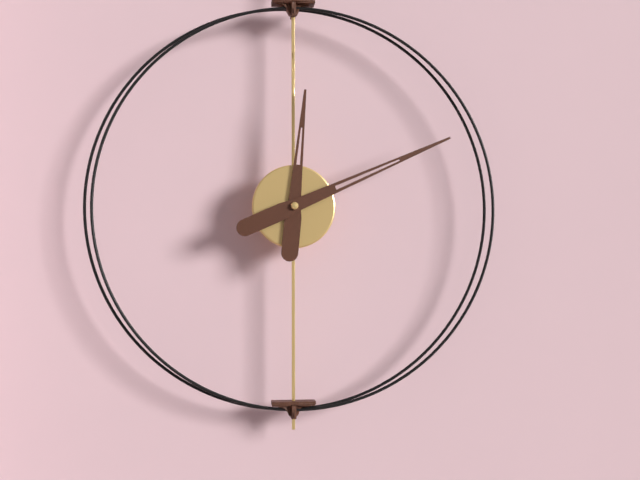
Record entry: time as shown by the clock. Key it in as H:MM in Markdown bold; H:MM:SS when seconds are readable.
**12:11**
